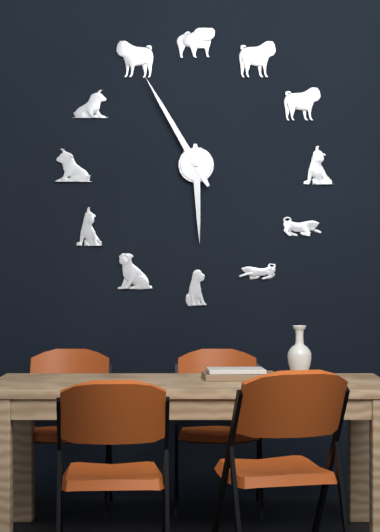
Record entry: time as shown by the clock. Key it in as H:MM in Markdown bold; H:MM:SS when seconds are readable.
**5:55**
